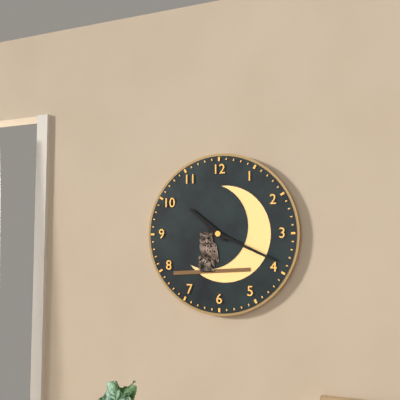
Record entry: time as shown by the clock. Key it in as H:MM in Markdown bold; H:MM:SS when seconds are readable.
**10:19**
